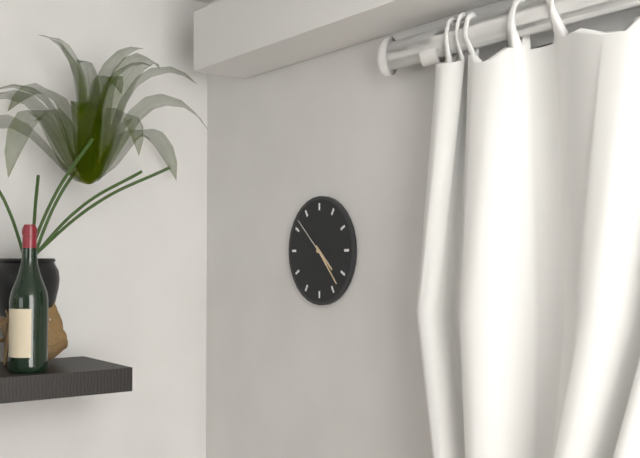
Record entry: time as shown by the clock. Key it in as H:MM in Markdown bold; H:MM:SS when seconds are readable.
**4:23**
